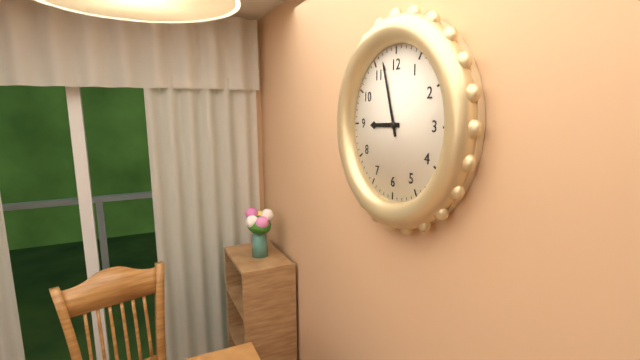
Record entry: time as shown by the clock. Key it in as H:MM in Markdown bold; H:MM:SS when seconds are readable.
**8:57**
